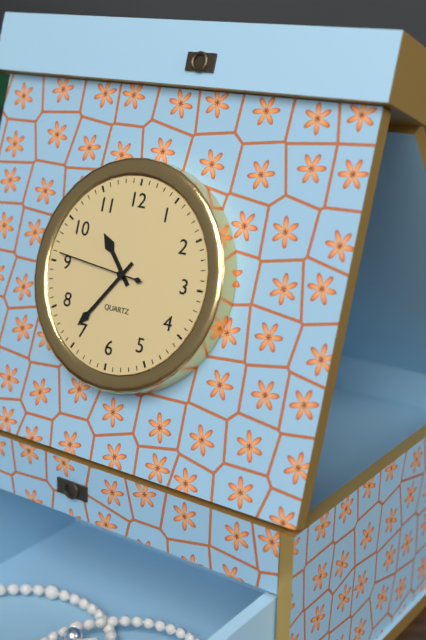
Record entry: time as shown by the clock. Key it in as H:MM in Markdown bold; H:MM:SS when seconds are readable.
**10:36:46**
